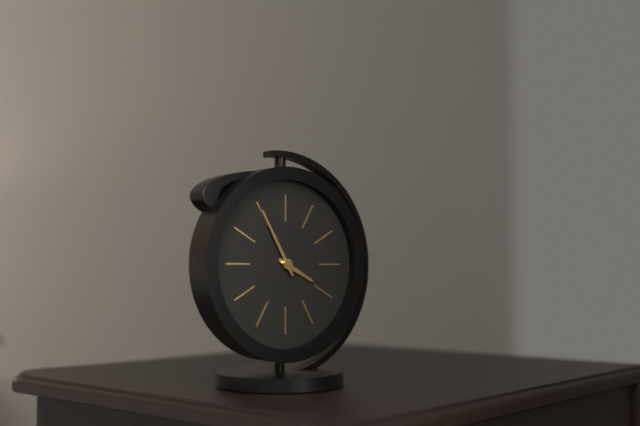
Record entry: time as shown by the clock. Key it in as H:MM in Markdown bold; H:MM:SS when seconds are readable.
**3:55**
